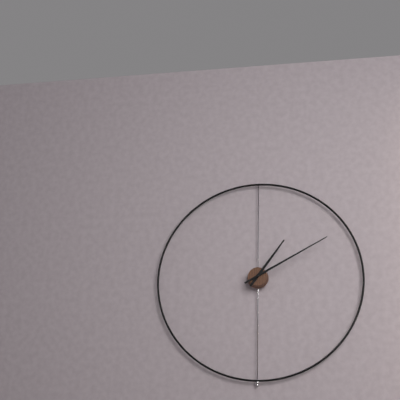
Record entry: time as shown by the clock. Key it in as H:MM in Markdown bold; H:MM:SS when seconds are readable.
**1:10**
